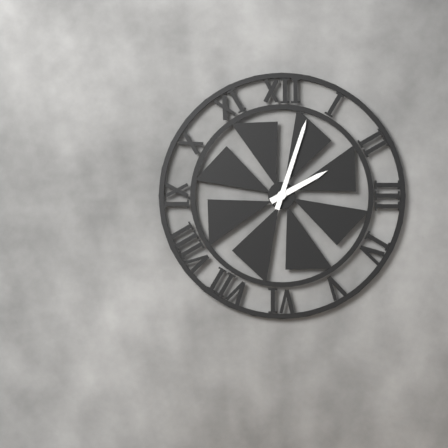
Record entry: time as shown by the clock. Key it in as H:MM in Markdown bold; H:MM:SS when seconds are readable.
**2:03**
